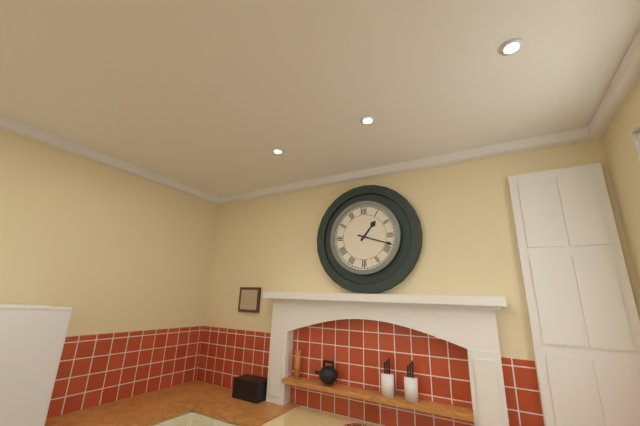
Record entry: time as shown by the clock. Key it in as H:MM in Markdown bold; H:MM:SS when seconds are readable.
**1:18**
